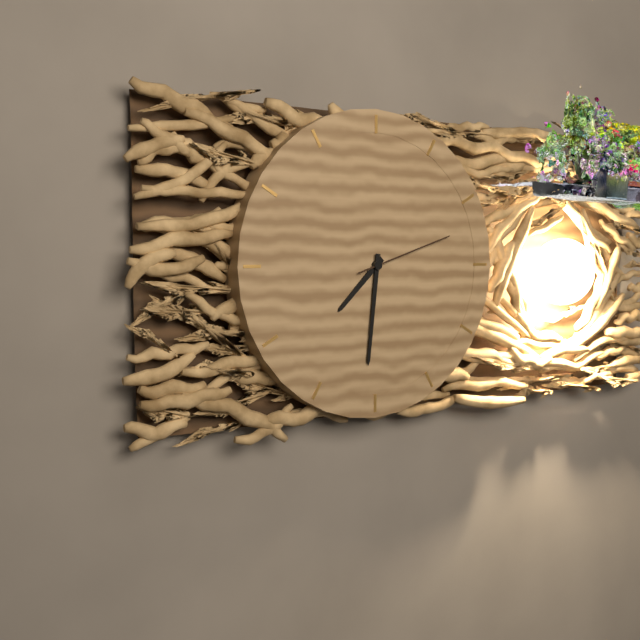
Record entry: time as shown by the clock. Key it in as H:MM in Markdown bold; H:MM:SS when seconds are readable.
**7:31:12**
